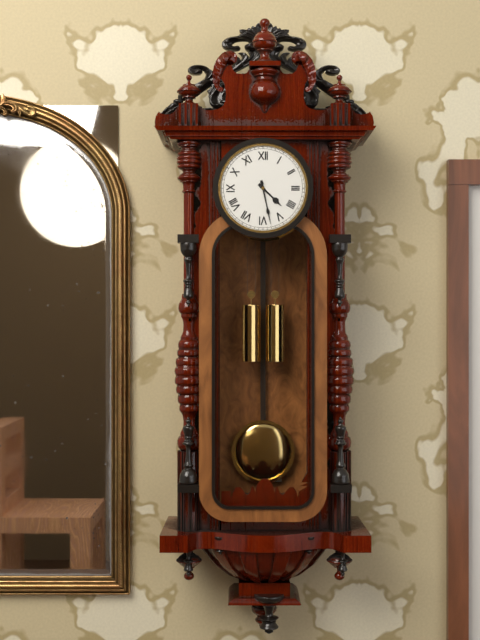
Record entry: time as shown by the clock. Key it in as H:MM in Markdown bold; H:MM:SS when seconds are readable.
**4:28**
